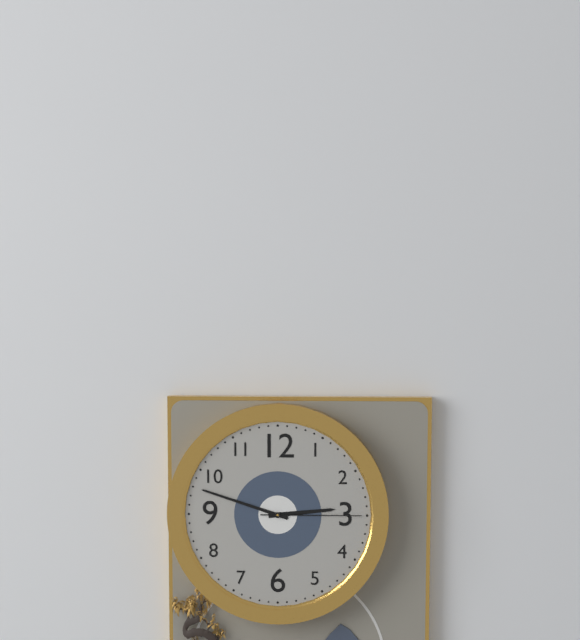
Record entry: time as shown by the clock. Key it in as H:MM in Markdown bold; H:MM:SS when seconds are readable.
**2:48:15**
